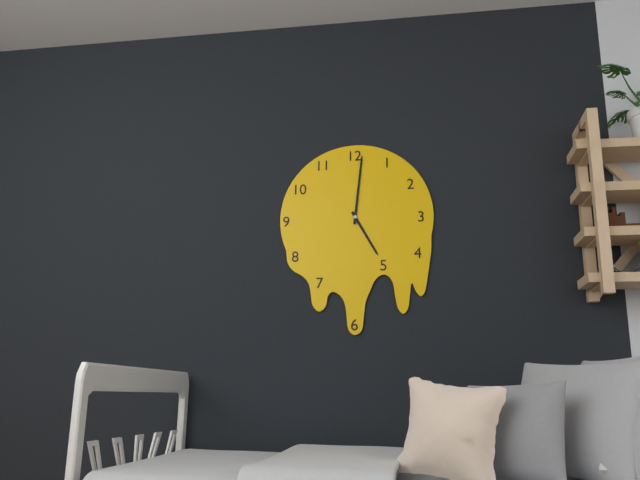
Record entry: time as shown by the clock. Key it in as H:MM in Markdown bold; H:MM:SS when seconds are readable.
**5:01**
